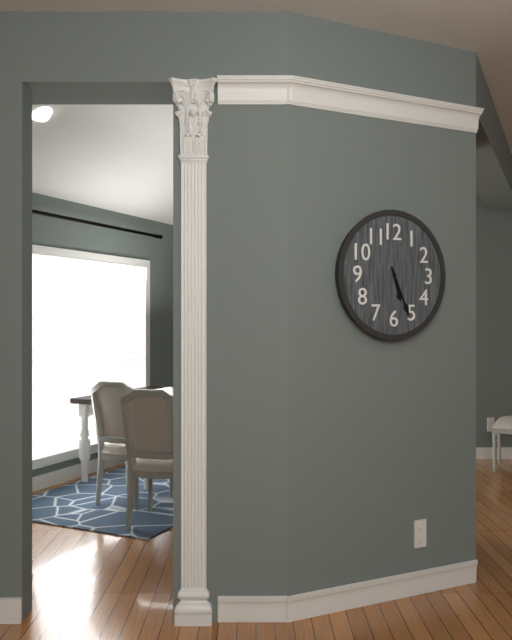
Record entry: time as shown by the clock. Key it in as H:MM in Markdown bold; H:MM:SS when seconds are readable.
**5:26**
